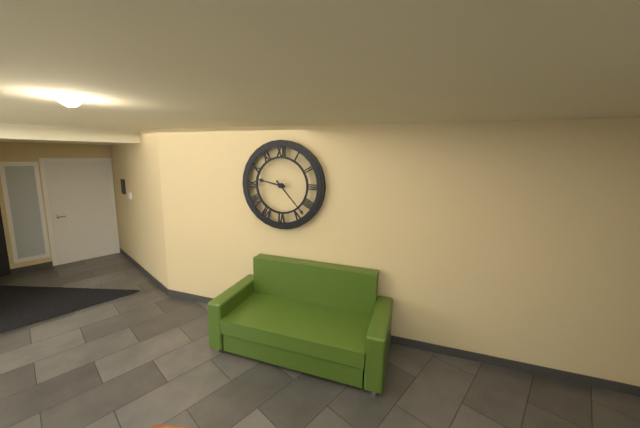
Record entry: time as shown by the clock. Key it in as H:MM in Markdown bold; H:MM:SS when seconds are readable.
**9:23**
